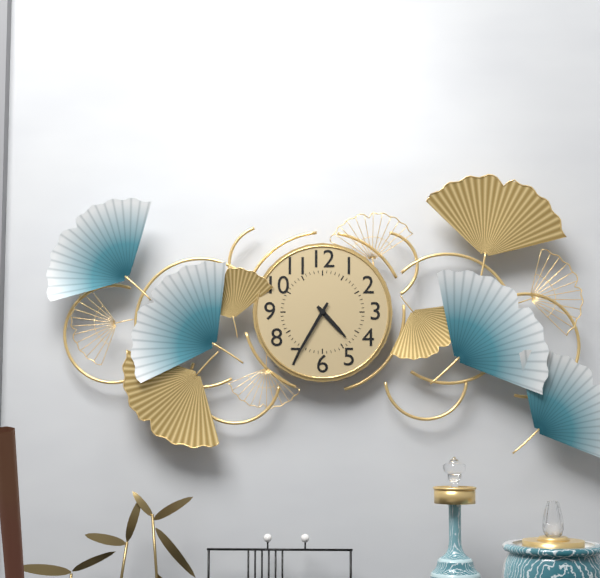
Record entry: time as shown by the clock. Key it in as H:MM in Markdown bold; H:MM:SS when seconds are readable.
**4:35**
